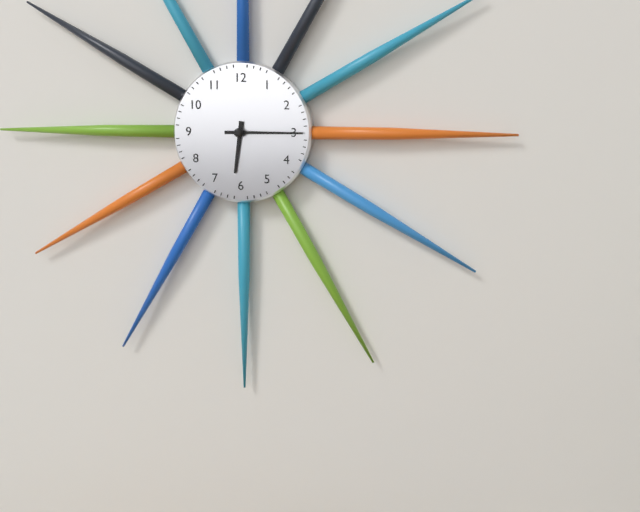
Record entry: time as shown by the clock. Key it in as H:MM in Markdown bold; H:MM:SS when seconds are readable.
**6:15**
